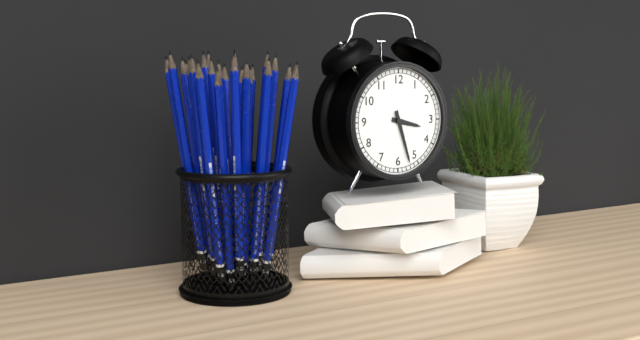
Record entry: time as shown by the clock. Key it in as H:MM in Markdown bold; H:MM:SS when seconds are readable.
**3:27**
